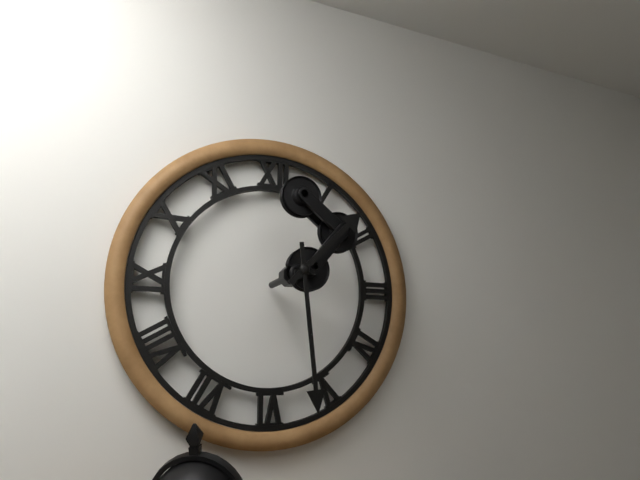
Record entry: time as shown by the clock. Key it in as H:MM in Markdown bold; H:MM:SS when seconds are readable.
**1:29**
